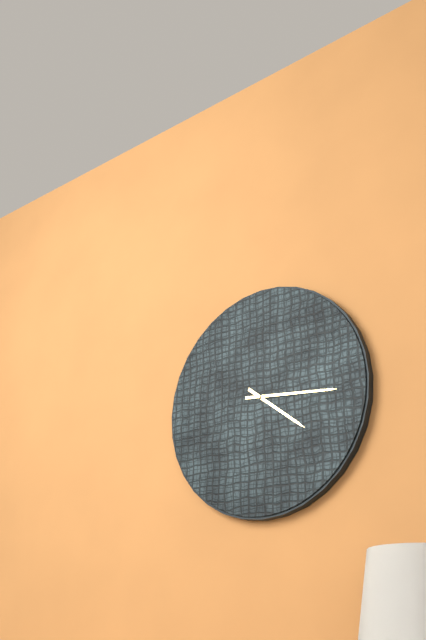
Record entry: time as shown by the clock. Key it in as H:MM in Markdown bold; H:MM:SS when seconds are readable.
**4:16**
